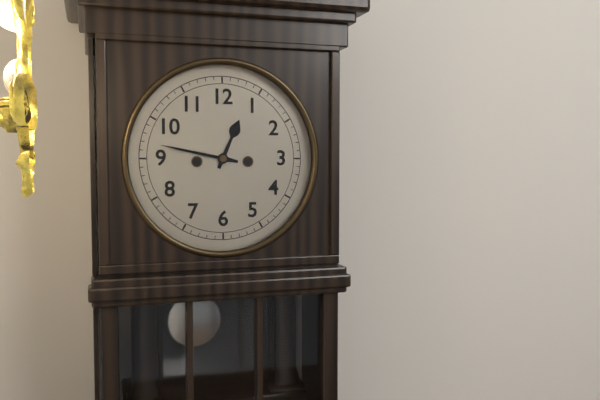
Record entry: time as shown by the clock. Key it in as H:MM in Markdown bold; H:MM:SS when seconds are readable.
**12:47**
